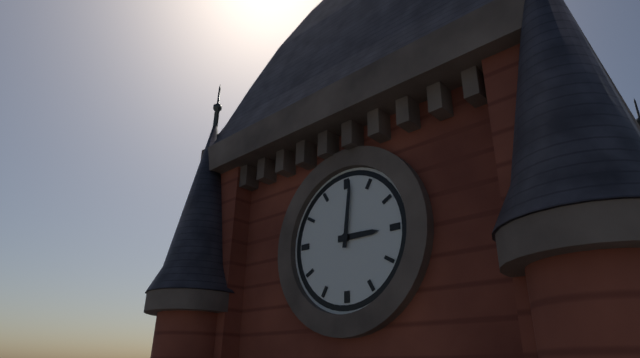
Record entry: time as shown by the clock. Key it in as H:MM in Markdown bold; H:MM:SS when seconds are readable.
**3:01**
